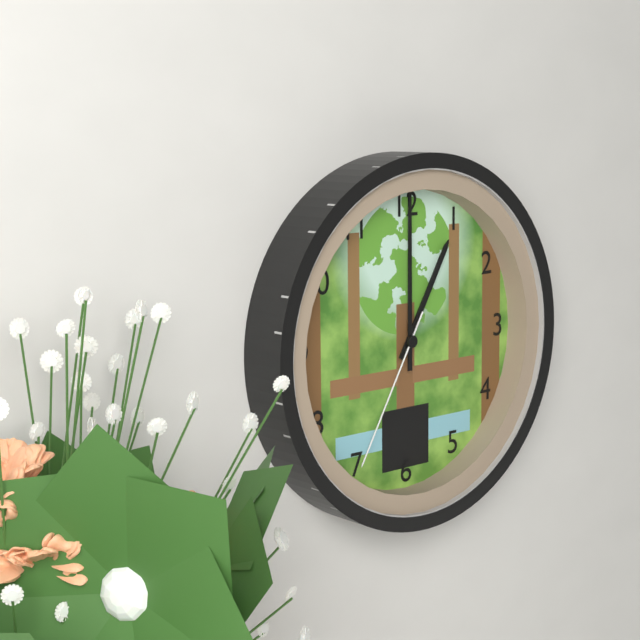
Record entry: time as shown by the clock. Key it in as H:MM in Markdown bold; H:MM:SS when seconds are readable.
**1:00:35**
